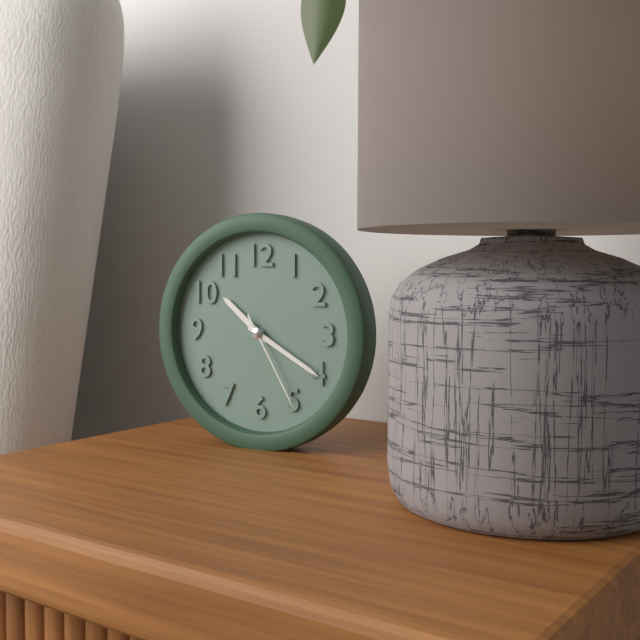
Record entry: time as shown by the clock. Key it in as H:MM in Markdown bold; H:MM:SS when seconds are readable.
**10:20:25**
